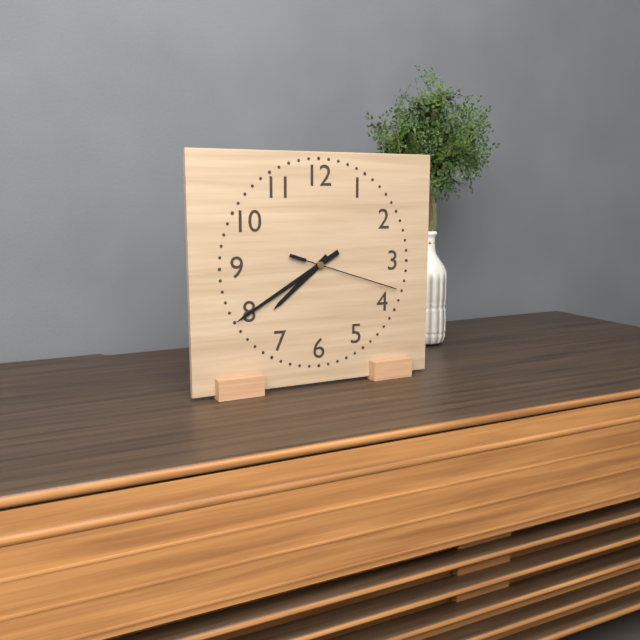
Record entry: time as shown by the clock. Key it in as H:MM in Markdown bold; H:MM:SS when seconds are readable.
**7:40:18**
